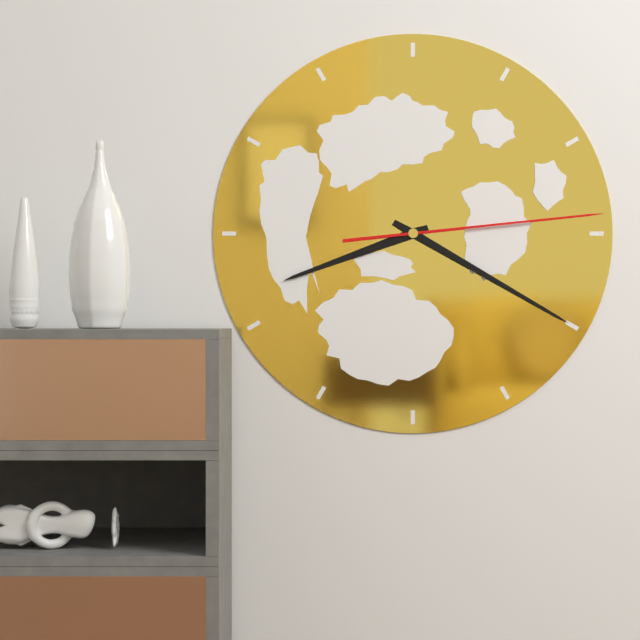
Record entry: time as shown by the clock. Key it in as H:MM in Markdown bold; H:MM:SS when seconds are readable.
**8:20:14**
